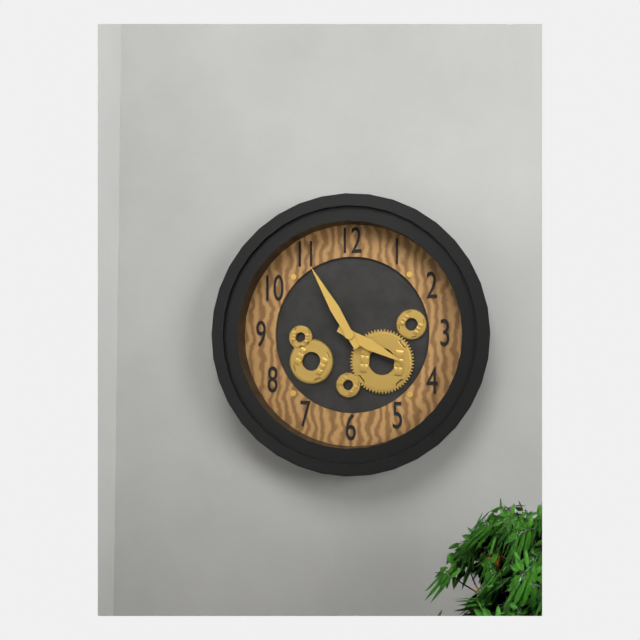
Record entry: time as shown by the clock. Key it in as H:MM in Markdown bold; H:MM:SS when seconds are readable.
**3:55**
